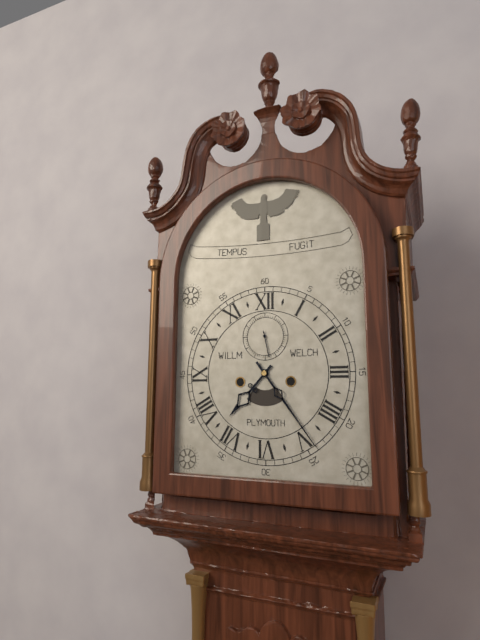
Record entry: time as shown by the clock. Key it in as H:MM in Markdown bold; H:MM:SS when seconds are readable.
**7:24**
